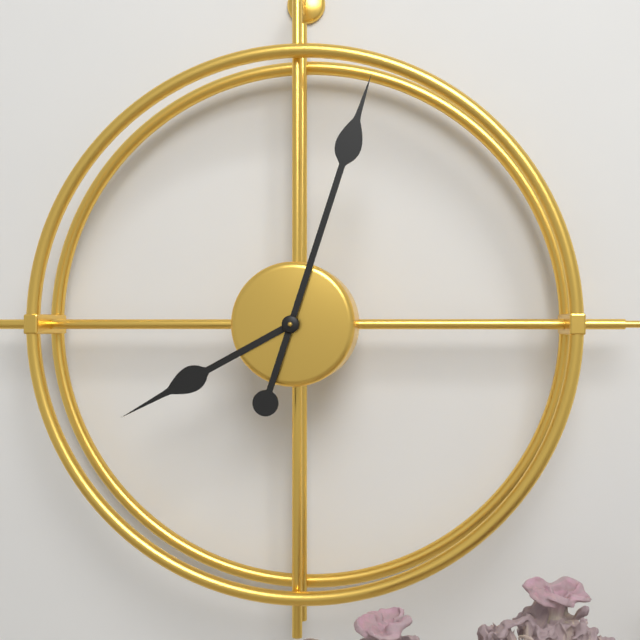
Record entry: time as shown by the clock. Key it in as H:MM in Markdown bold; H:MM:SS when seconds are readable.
**8:03**
